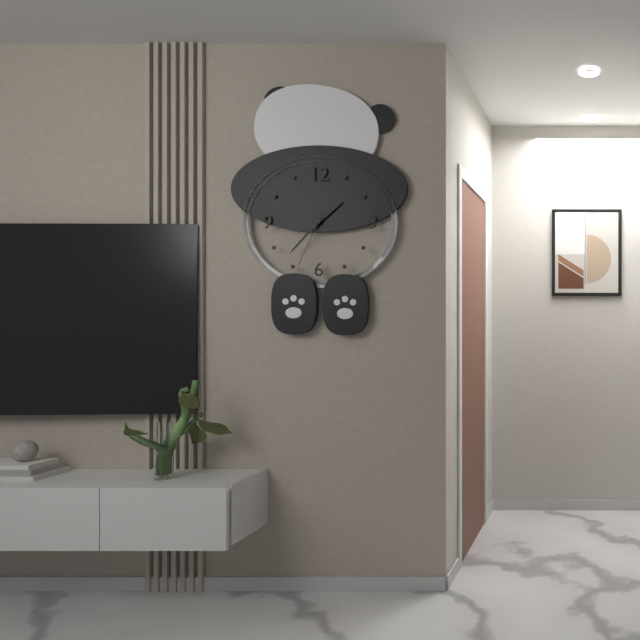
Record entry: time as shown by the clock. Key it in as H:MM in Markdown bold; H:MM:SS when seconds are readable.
**1:37:34**
